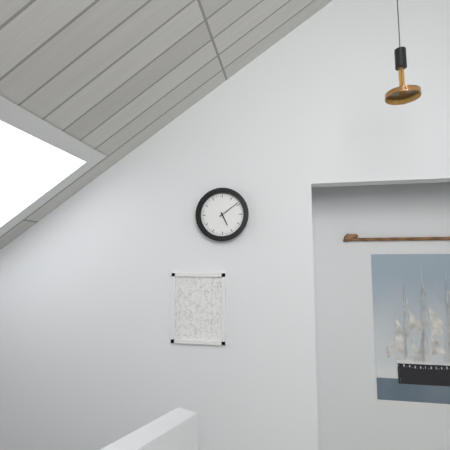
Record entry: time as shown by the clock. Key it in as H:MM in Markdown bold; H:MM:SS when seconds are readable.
**5:09**
